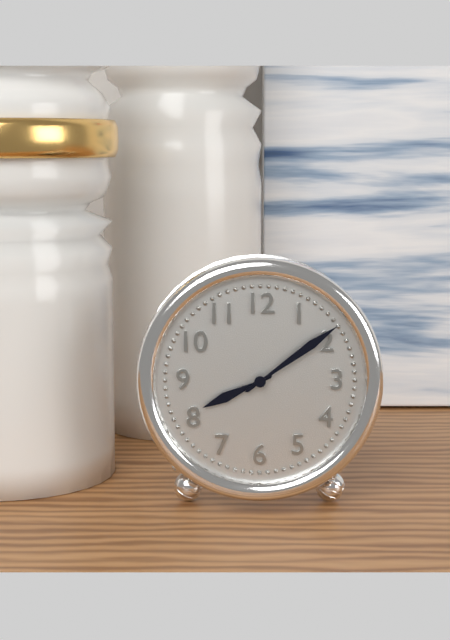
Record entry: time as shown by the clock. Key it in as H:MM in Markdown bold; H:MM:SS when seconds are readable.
**8:09**
